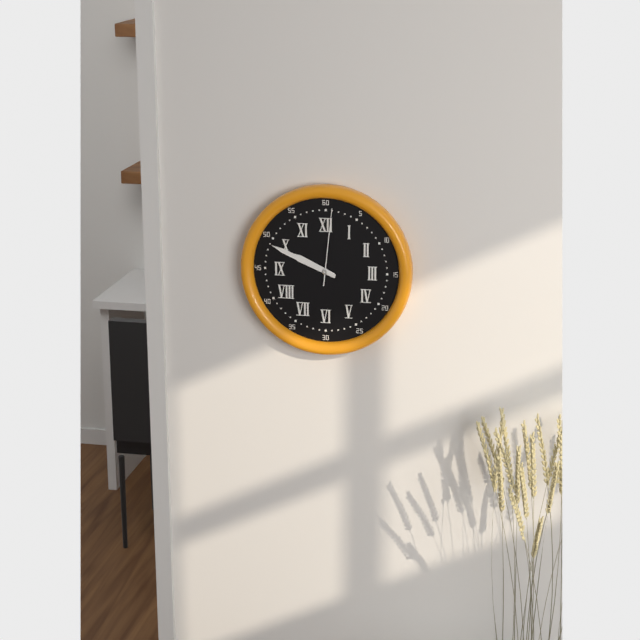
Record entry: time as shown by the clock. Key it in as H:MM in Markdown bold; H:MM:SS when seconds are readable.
**9:49:01**
